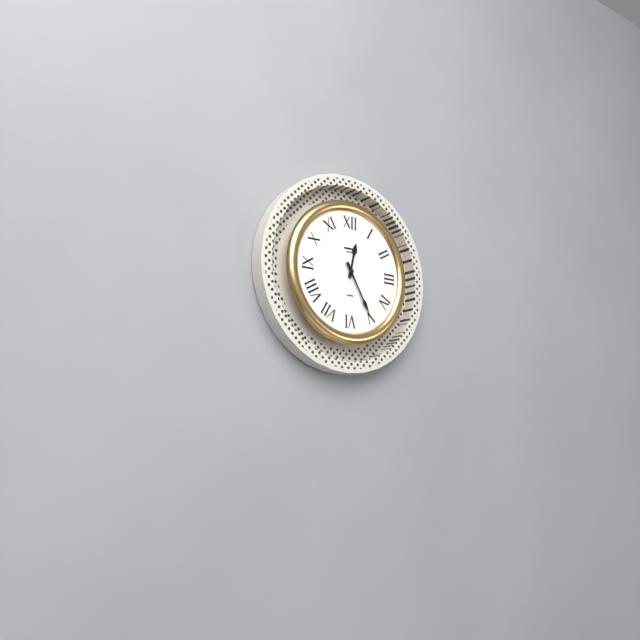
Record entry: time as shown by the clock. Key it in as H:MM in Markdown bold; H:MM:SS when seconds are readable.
**12:25**
